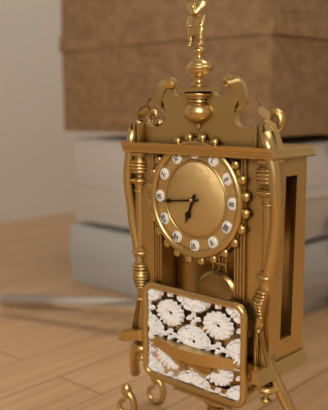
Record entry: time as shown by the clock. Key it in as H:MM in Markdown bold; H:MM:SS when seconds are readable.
**6:44**
